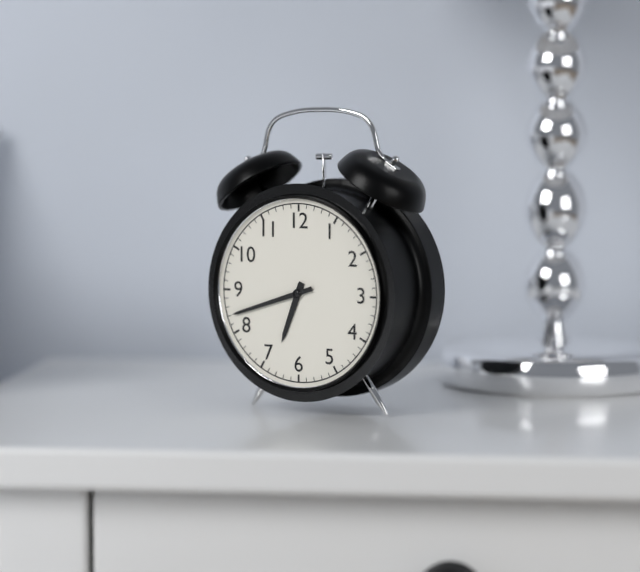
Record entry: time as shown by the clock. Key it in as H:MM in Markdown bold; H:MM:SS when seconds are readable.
**6:42**
